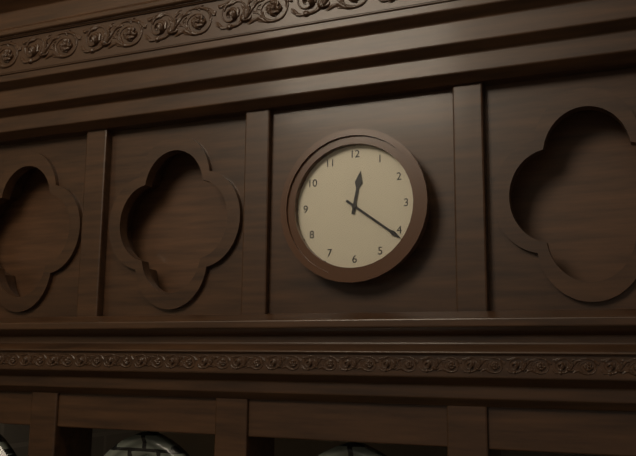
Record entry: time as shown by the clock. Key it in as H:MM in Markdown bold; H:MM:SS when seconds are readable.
**12:21**
